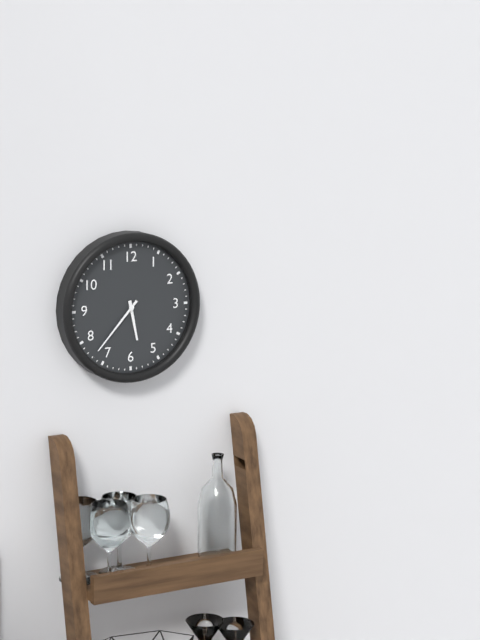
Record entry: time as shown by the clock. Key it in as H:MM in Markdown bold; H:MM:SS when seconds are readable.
**5:37**
